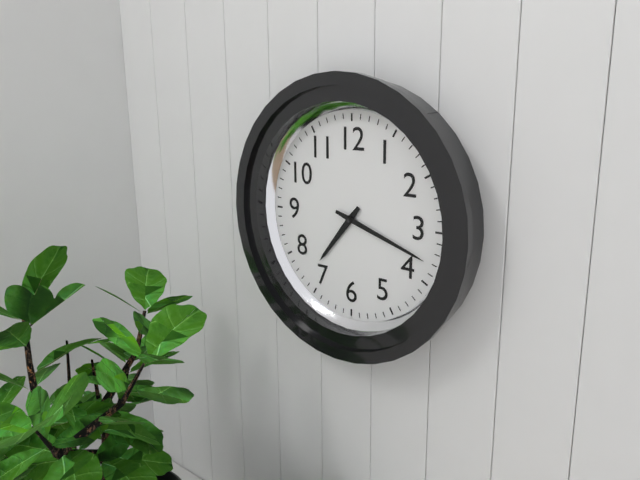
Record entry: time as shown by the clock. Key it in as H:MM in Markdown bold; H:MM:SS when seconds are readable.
**7:18**
